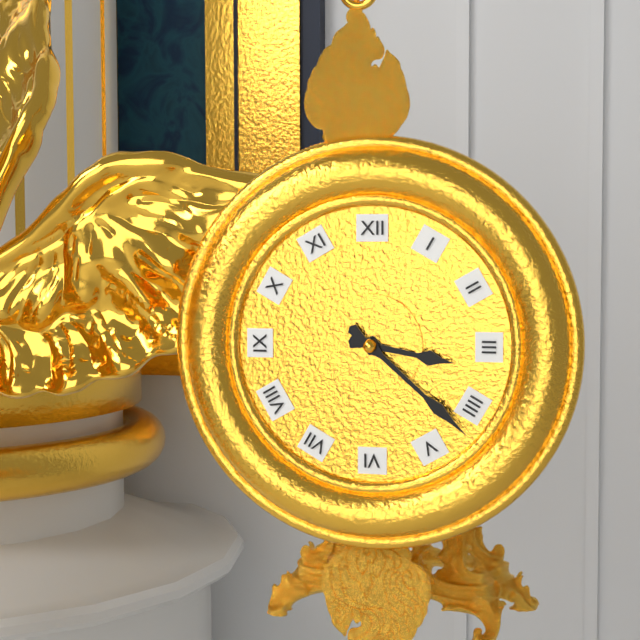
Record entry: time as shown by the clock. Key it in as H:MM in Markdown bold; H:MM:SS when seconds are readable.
**3:22**
